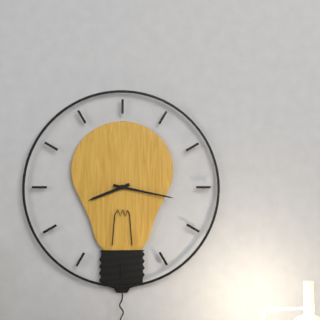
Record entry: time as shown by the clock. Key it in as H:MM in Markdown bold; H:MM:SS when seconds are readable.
**8:17**
